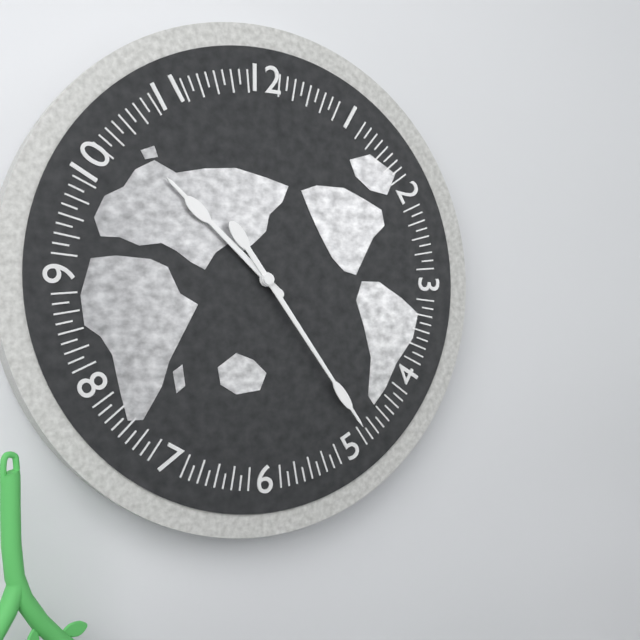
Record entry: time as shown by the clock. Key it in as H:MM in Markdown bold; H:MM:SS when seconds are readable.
**10:24**
